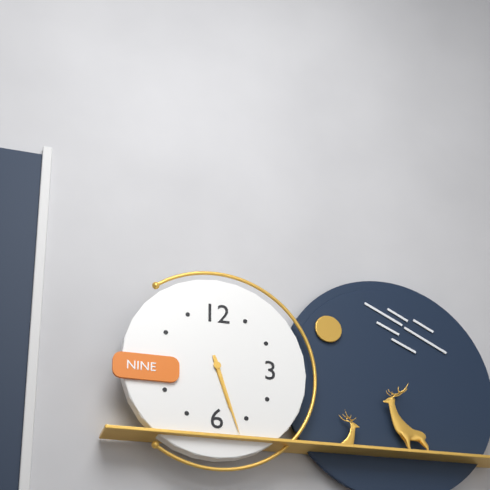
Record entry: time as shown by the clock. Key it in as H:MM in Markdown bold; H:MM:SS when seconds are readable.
**5:27**
